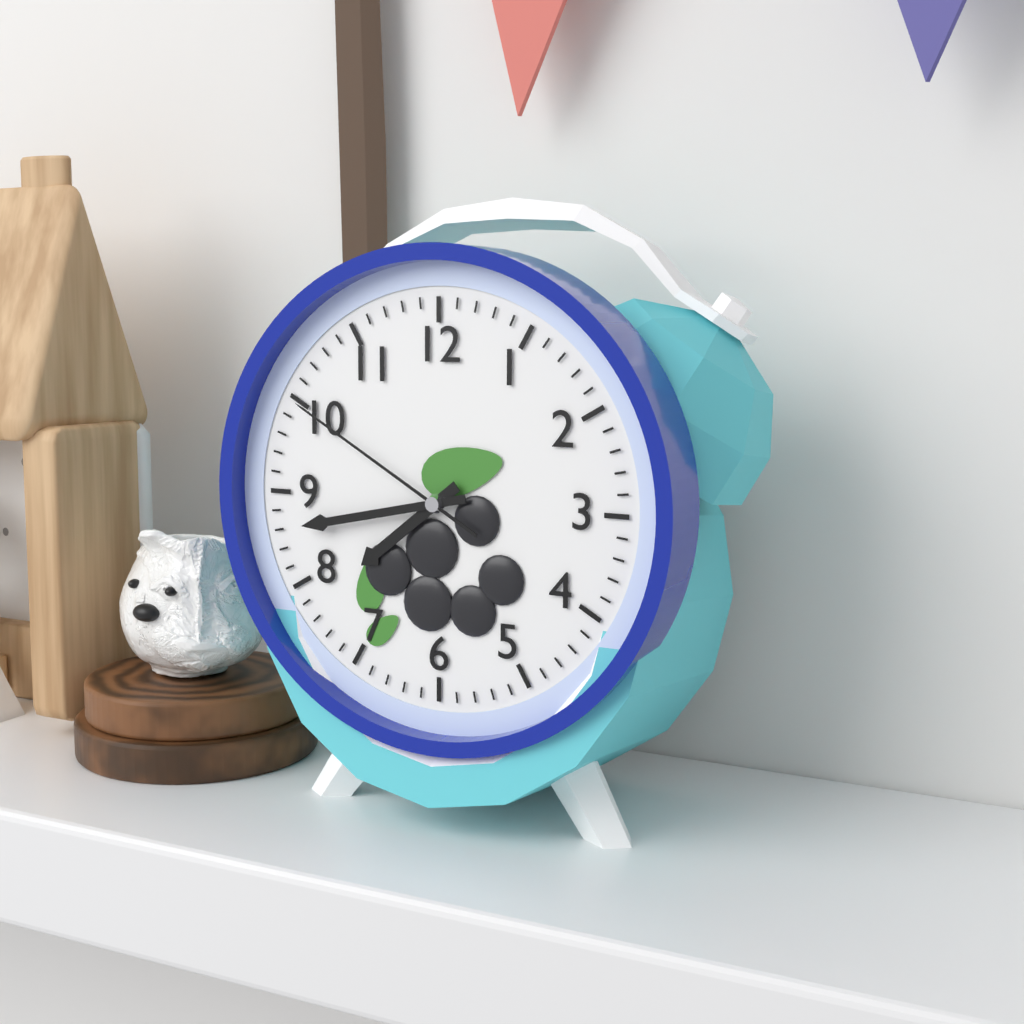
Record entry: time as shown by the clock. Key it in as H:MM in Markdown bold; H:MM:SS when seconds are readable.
**7:43:50**
